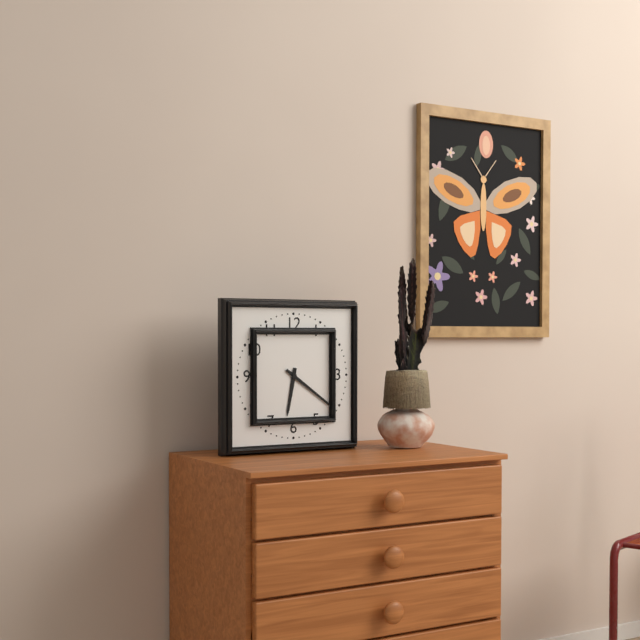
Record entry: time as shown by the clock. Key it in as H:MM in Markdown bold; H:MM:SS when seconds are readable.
**6:21**
